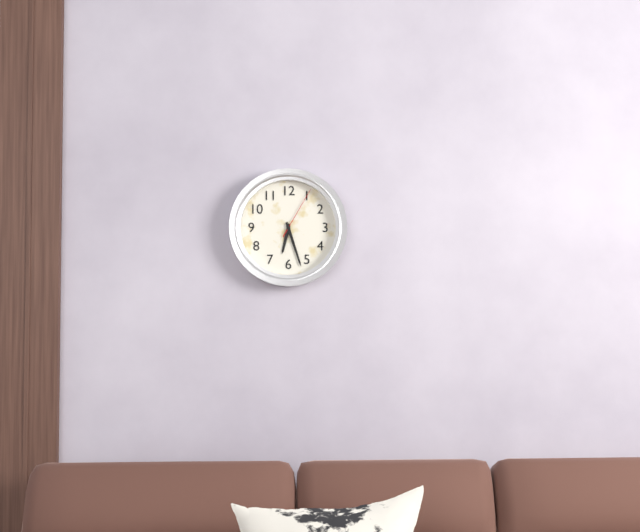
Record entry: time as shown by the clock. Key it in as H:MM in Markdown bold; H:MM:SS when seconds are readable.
**6:27:05**
